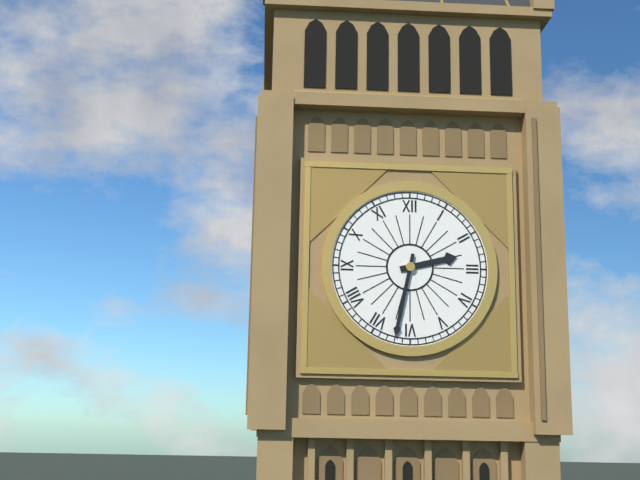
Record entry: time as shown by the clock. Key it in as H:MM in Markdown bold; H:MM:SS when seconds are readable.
**2:32**
